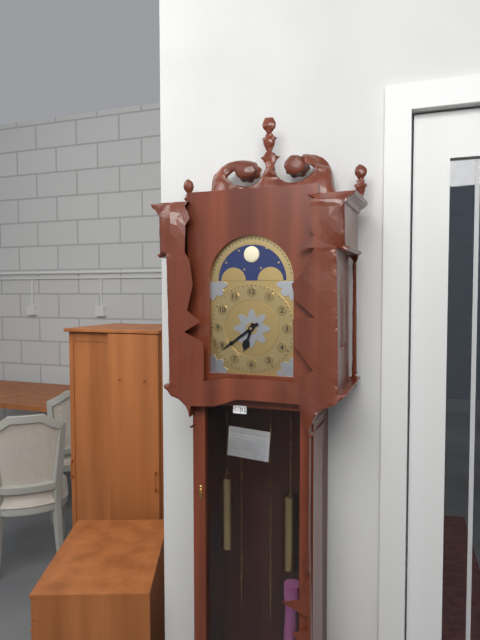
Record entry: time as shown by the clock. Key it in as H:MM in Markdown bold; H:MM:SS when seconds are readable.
**6:39**
